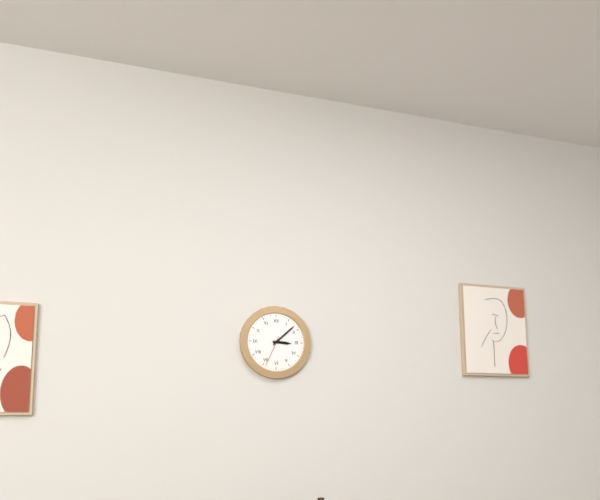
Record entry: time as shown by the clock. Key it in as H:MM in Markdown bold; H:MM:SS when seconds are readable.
**3:08**
